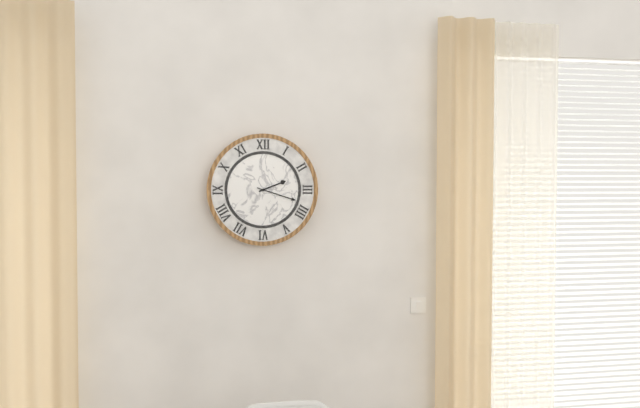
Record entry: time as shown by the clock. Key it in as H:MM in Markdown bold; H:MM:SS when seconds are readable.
**2:18**
